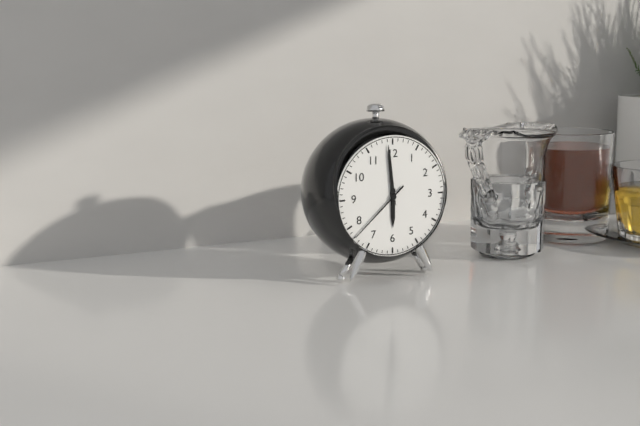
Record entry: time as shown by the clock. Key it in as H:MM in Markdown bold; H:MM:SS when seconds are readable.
**5:59:38**
